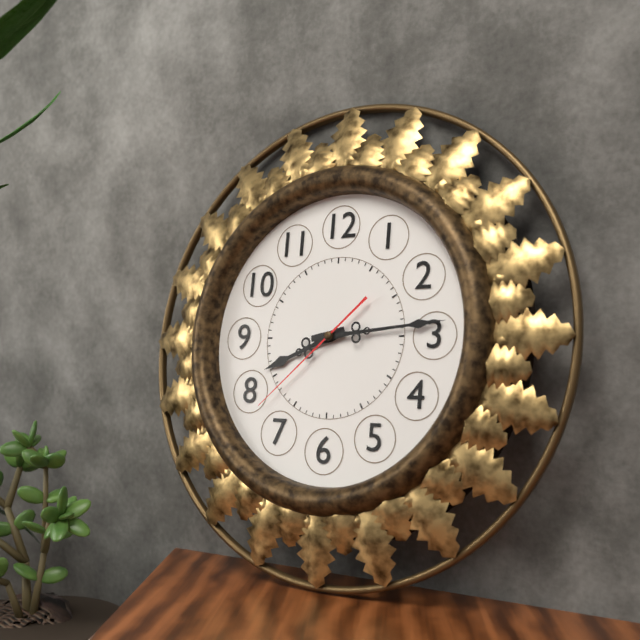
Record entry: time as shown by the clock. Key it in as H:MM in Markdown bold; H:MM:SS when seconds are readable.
**8:14:38**
